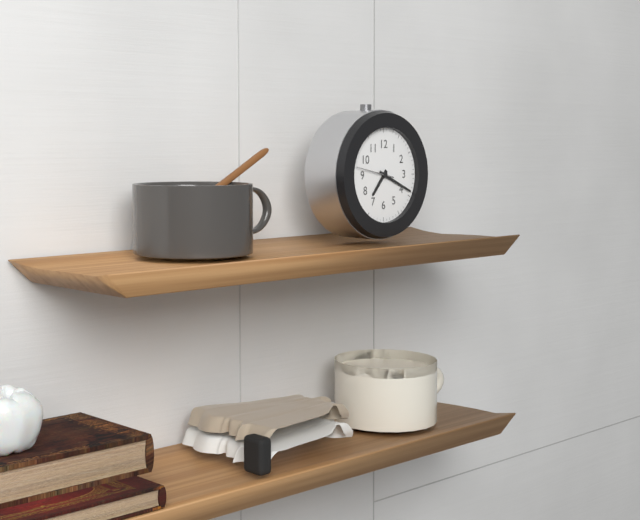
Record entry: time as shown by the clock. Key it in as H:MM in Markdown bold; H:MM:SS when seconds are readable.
**7:19**
